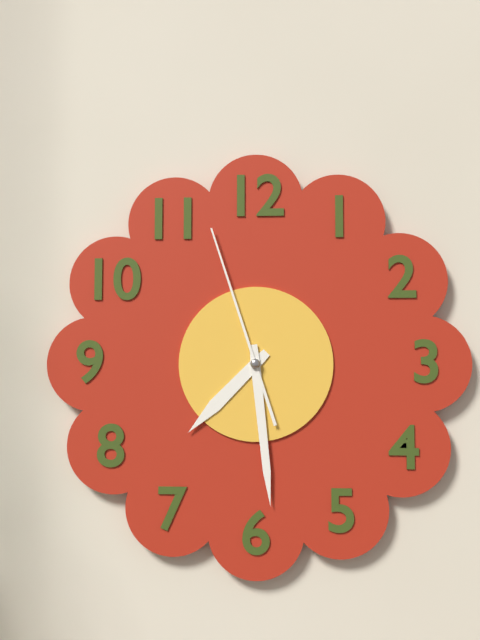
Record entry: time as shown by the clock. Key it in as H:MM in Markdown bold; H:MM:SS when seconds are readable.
**7:29:57**
